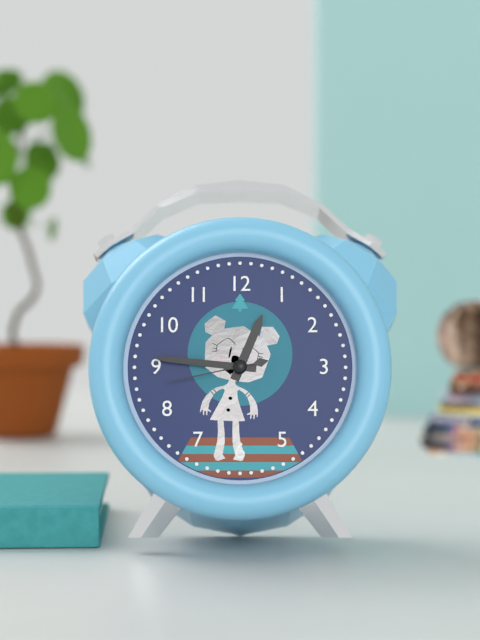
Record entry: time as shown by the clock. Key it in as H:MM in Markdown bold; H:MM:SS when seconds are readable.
**12:46:43**
